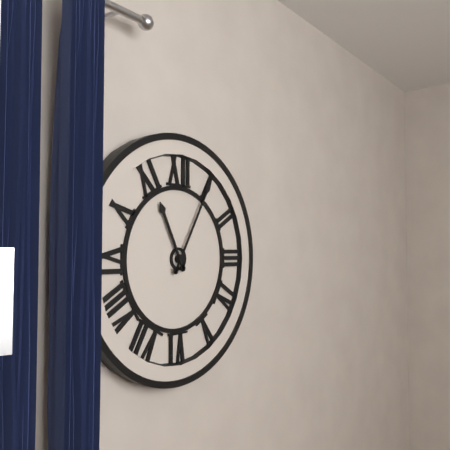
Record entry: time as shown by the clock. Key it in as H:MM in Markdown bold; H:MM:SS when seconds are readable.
**11:05**
